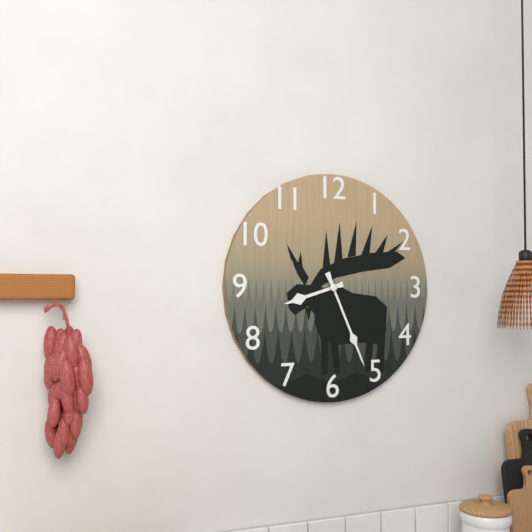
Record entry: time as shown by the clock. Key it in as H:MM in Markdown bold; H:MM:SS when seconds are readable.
**8:26**
